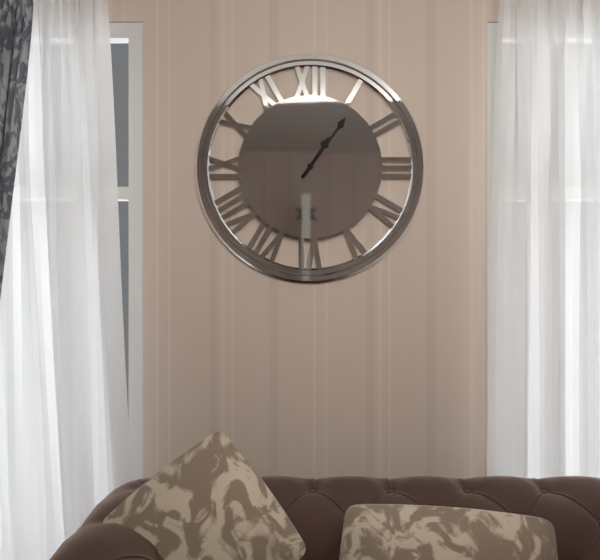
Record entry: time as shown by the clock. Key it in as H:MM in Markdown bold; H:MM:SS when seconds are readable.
**1:06**
